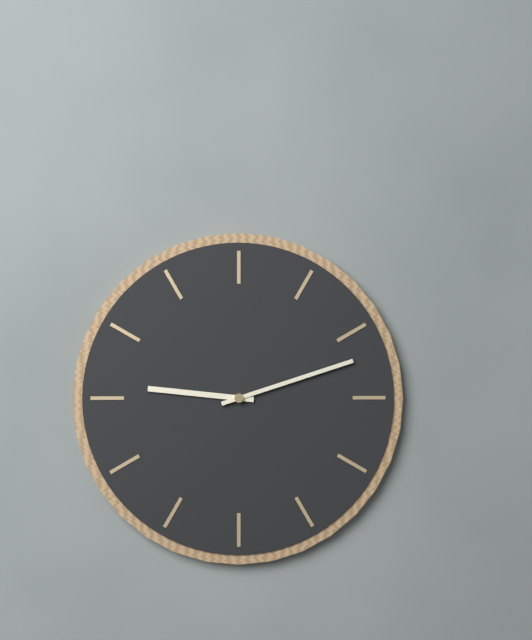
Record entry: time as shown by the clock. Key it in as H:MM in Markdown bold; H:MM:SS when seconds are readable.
**9:12**
